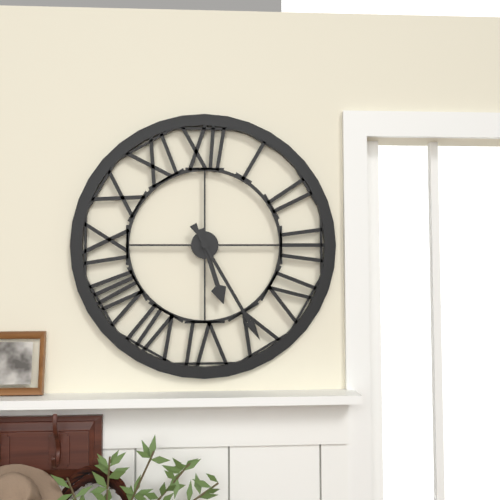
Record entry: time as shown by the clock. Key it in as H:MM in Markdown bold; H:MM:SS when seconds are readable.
**5:25**
